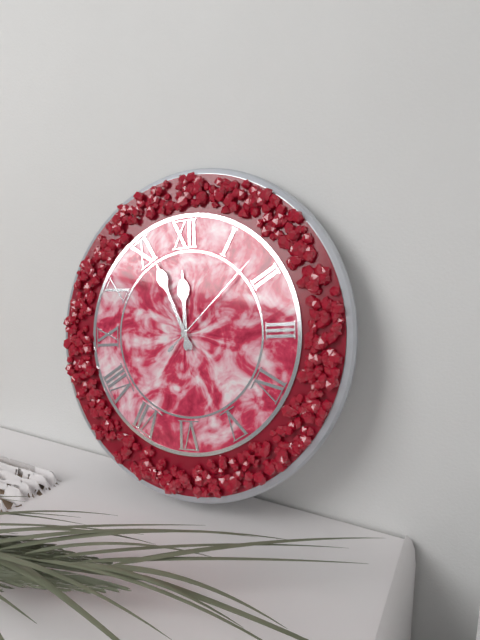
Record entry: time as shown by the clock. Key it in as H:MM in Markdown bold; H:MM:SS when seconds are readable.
**11:56:08**
